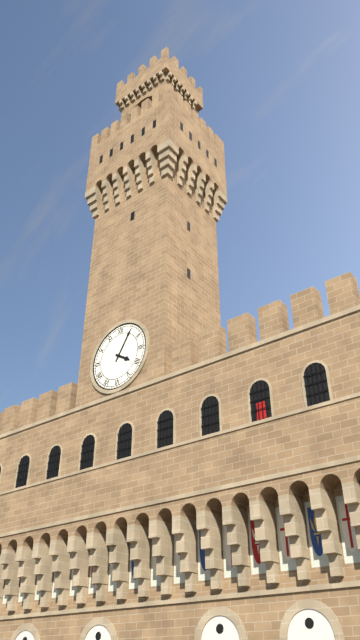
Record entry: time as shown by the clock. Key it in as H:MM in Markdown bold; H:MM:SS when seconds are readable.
**4:05**
